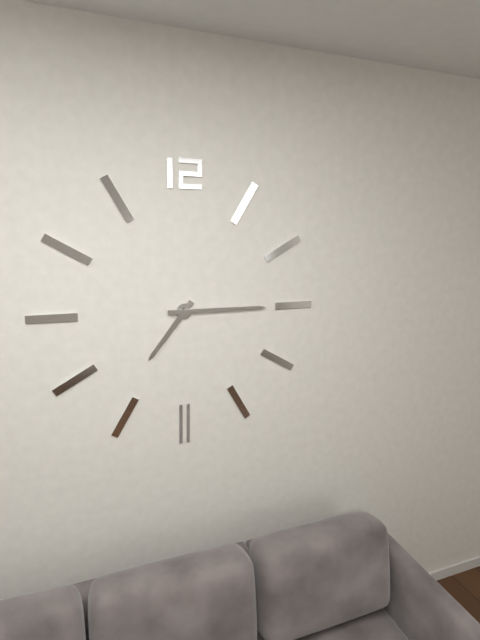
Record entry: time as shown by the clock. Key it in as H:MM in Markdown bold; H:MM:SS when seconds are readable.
**7:15**
